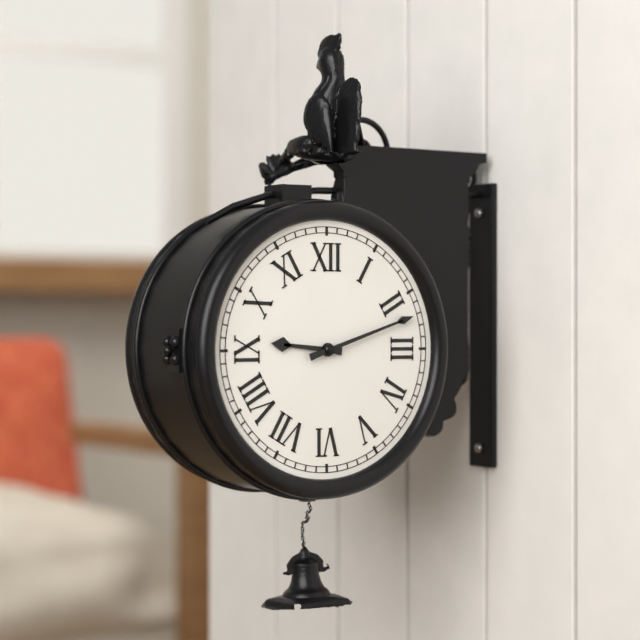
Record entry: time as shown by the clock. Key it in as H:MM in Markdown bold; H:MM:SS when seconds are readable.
**9:12**
